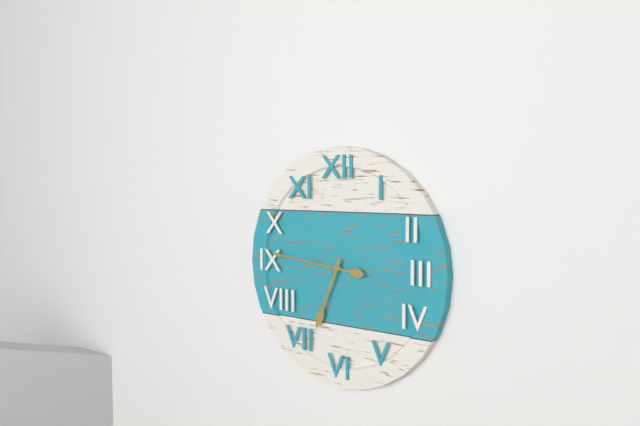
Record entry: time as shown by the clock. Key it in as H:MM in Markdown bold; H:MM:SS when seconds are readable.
**6:46**
